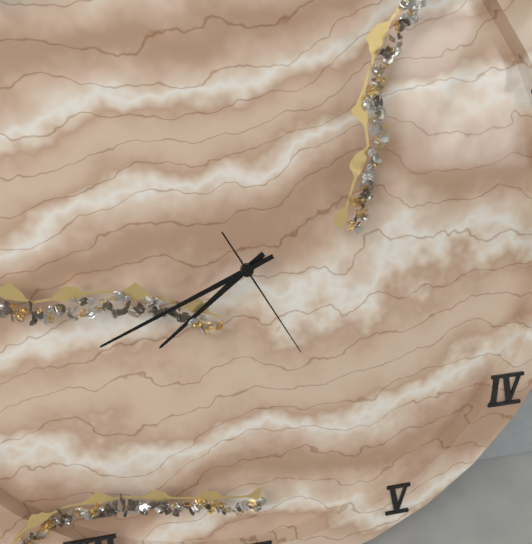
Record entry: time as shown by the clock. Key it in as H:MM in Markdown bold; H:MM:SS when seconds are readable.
**7:41:25**
